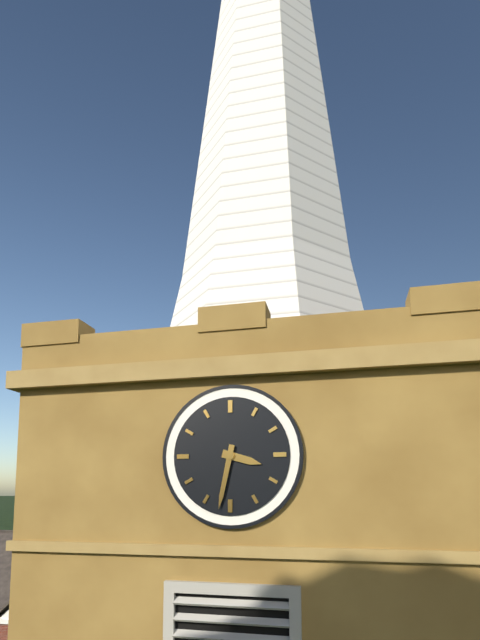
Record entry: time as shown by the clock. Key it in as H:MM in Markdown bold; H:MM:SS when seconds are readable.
**3:32**
